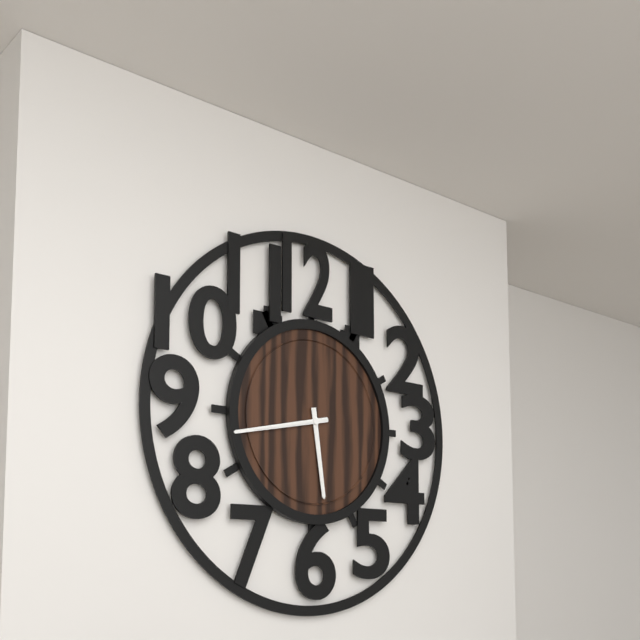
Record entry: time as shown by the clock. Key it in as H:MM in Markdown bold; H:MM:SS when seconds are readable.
**5:43:43**
